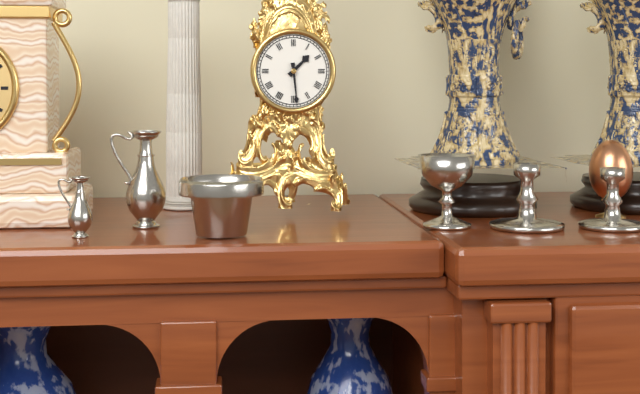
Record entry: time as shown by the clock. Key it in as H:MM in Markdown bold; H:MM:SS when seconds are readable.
**1:29**
